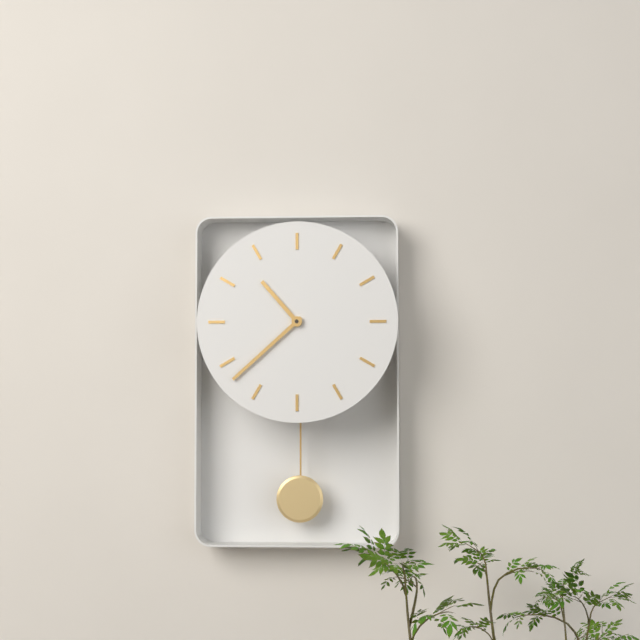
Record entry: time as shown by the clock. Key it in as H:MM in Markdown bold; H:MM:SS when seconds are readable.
**10:38**
